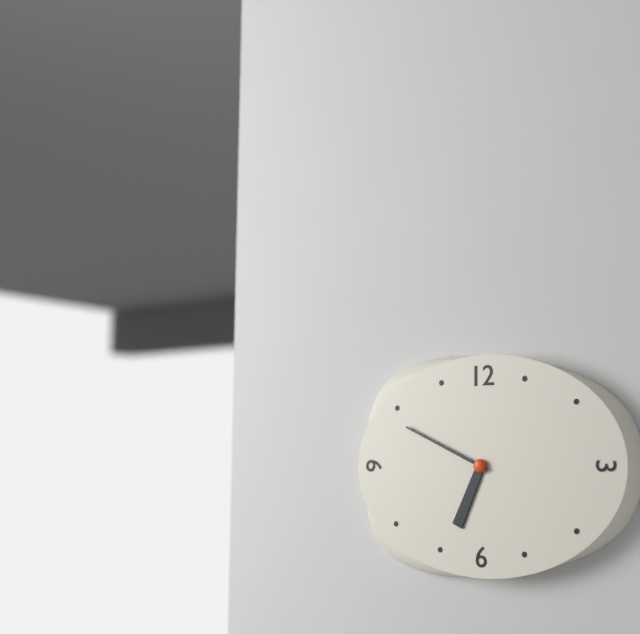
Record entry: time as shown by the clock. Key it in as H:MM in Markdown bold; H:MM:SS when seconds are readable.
**6:49**
